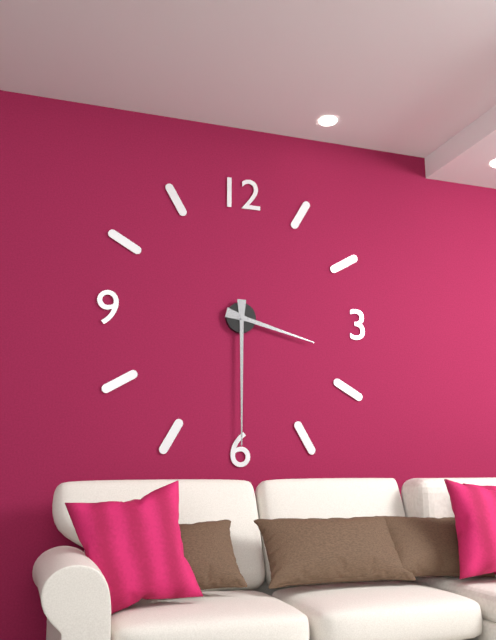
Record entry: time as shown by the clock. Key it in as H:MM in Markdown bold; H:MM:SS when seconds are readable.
**3:30**
